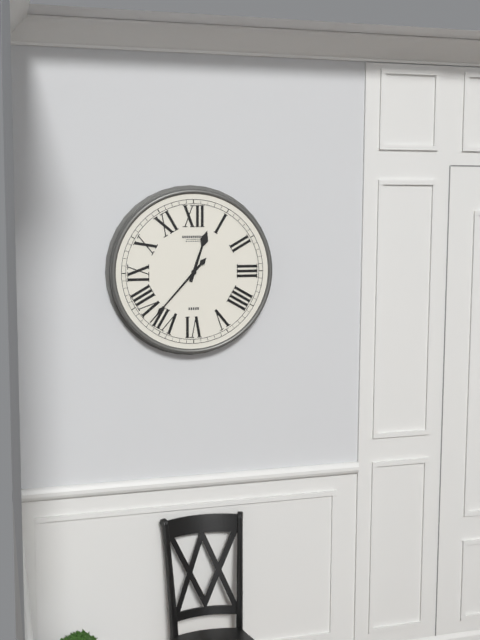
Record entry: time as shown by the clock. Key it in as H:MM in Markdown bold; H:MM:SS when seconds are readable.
**12:37**
